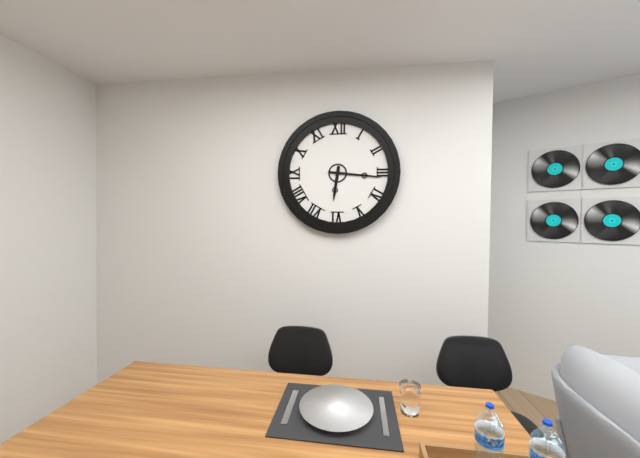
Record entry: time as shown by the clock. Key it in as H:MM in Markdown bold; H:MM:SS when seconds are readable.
**6:16**
